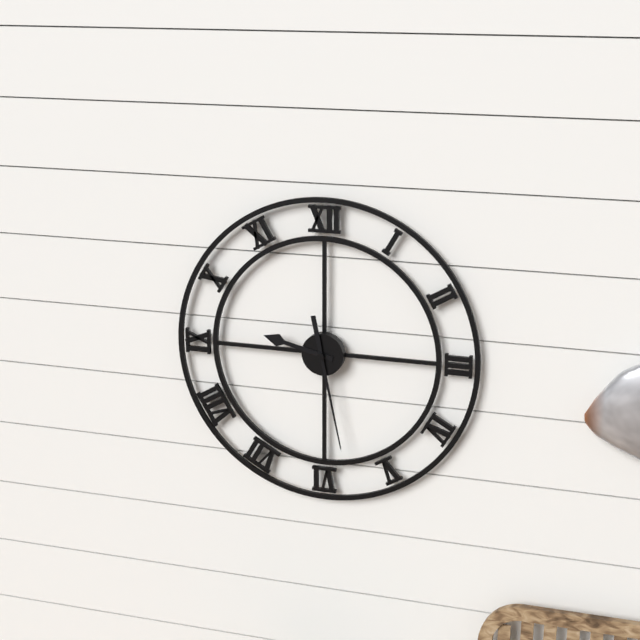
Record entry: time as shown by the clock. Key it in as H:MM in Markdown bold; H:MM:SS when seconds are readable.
**9:28**
